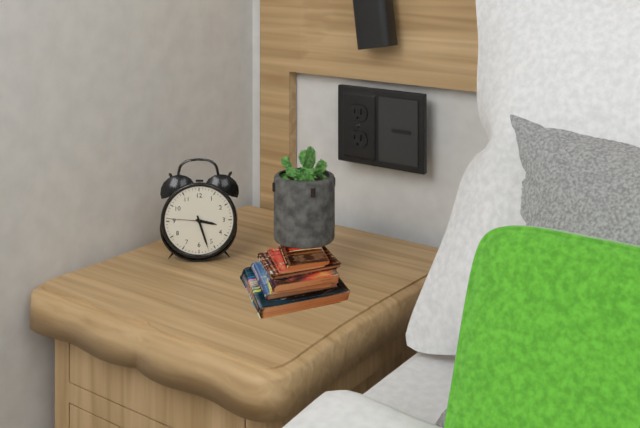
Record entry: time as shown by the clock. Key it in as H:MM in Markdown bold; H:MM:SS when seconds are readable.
**3:27**
